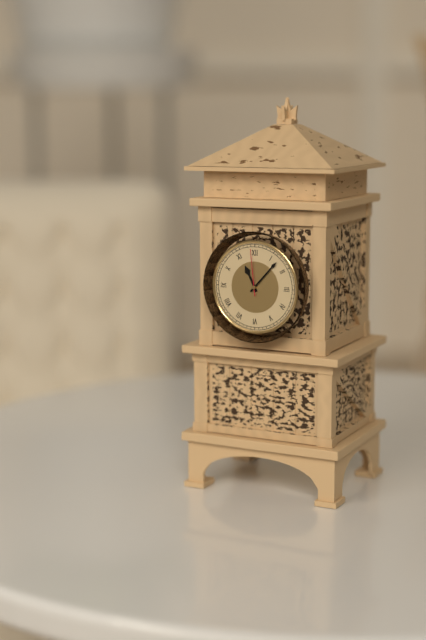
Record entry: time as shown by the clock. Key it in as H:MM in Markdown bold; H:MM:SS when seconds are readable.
**11:07**
